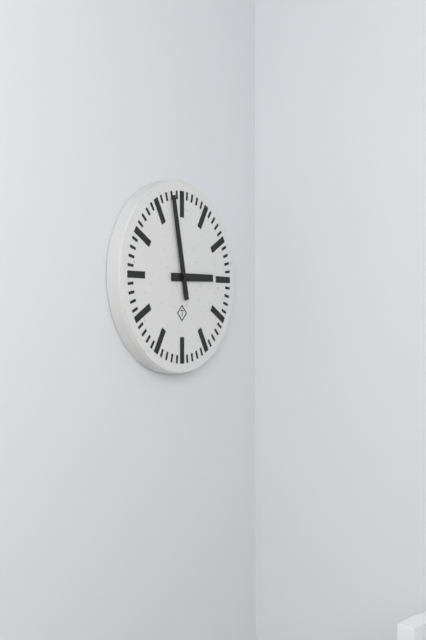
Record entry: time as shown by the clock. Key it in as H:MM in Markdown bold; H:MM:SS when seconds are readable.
**2:58**
